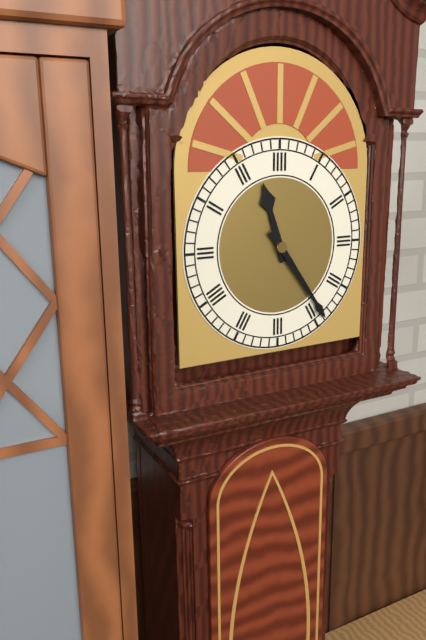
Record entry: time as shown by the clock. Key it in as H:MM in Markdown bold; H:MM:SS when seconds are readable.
**11:24**
